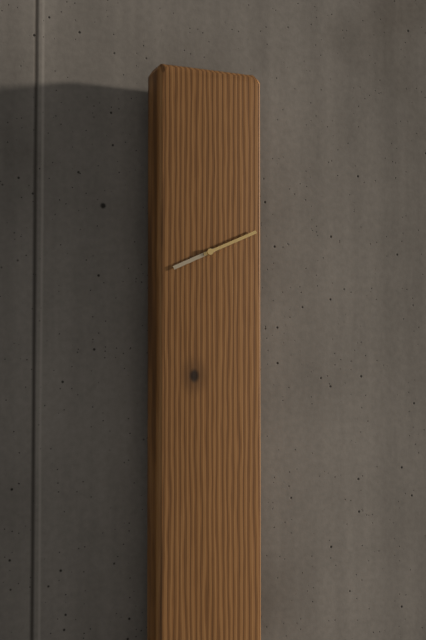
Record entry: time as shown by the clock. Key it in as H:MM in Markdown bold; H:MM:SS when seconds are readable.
**8:11**
